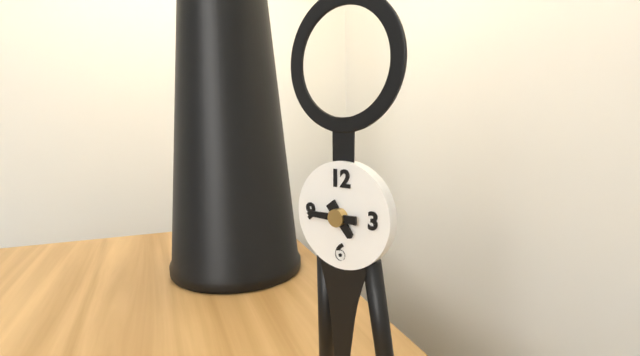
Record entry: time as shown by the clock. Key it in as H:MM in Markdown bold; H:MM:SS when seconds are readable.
**4:45**
